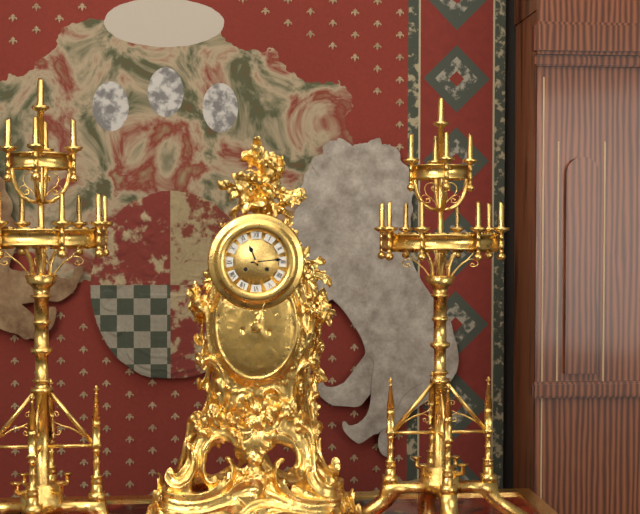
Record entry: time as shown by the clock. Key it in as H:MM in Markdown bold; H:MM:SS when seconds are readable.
**11:14**
